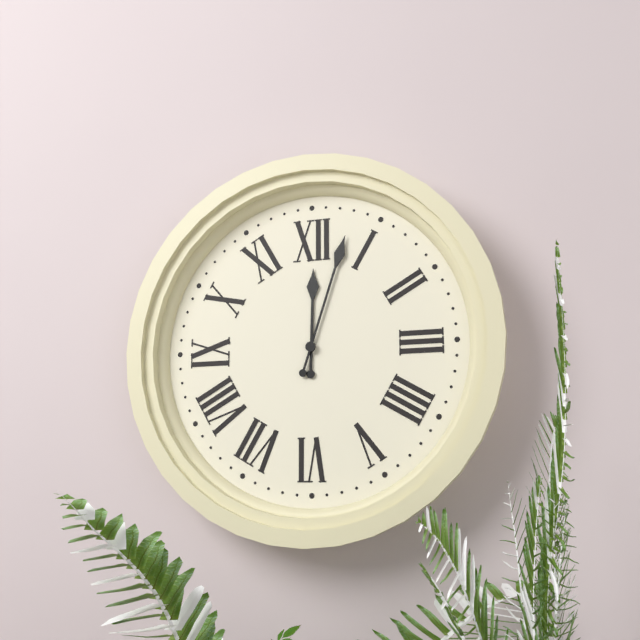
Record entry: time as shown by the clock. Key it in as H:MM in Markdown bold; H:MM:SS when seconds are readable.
**12:03**
